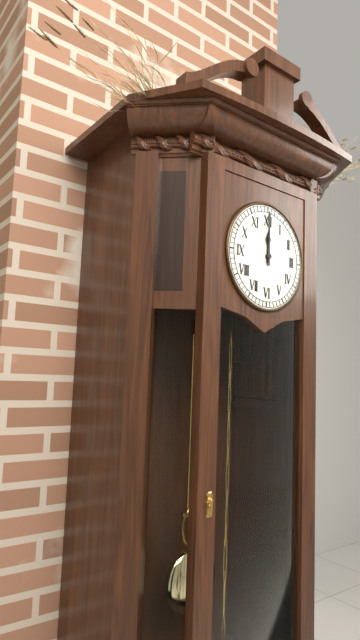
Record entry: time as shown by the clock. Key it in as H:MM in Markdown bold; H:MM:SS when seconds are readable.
**12:00**
